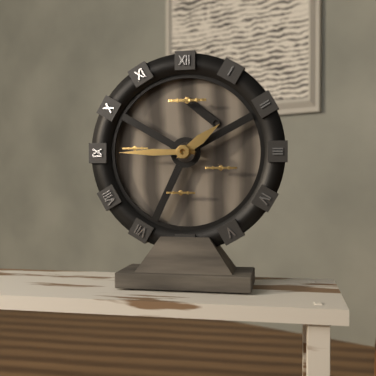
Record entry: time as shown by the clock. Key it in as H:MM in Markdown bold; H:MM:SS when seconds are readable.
**1:45**
